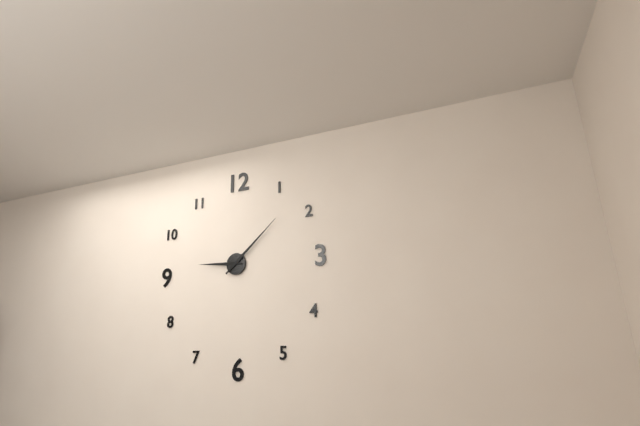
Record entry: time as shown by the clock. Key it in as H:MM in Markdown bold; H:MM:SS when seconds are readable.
**9:08**
